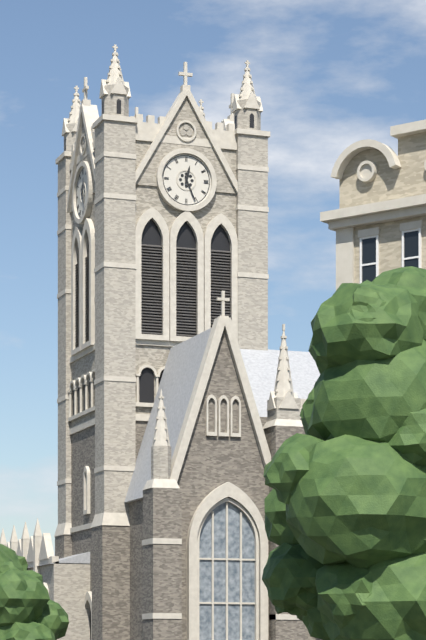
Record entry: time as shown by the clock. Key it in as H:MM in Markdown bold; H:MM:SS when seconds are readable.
**12:26**
